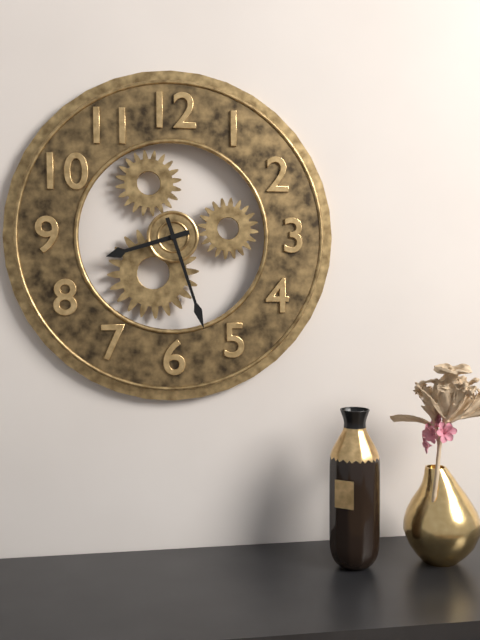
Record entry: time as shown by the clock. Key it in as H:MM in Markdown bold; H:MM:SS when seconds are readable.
**8:27**
